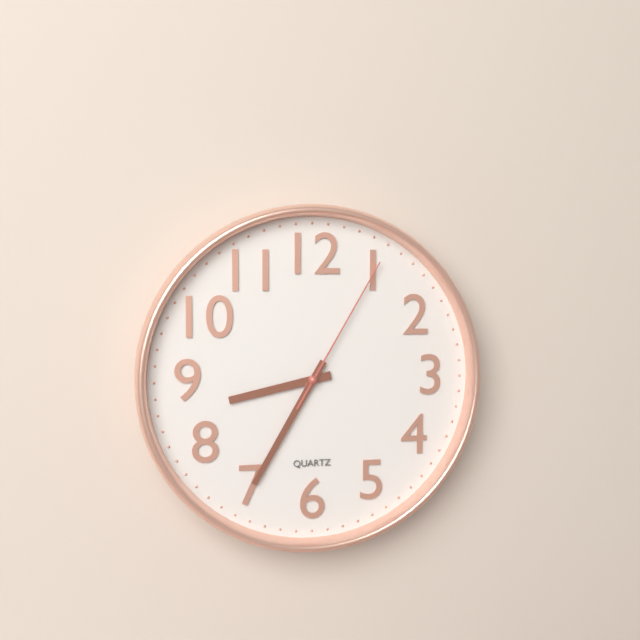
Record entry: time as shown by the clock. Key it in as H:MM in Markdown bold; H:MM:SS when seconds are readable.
**8:35:05**
